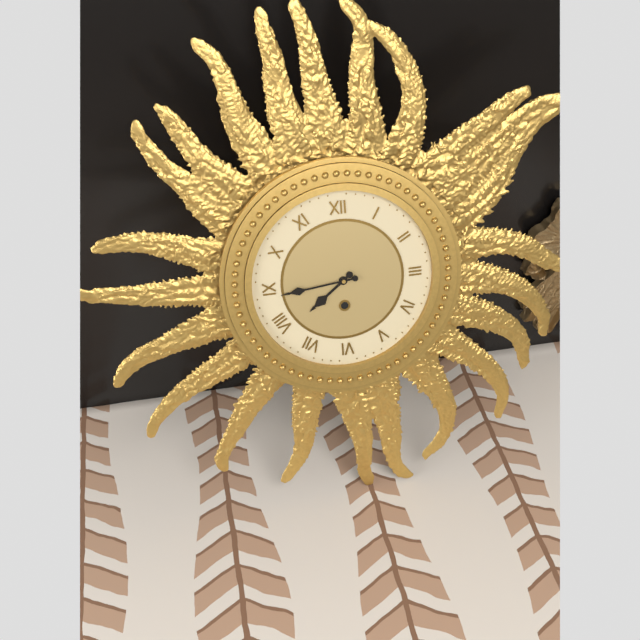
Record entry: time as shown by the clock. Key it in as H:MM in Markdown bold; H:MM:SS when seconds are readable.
**7:44**
